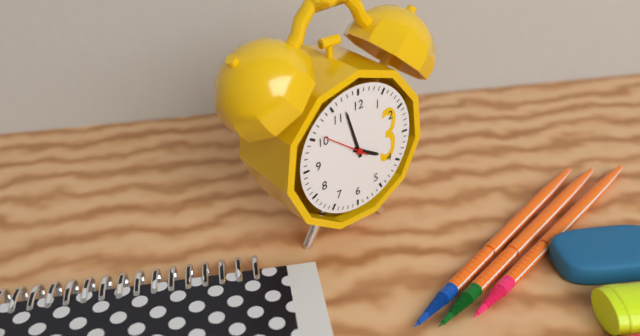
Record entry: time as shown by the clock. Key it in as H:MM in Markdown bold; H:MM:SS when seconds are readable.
**3:57**
